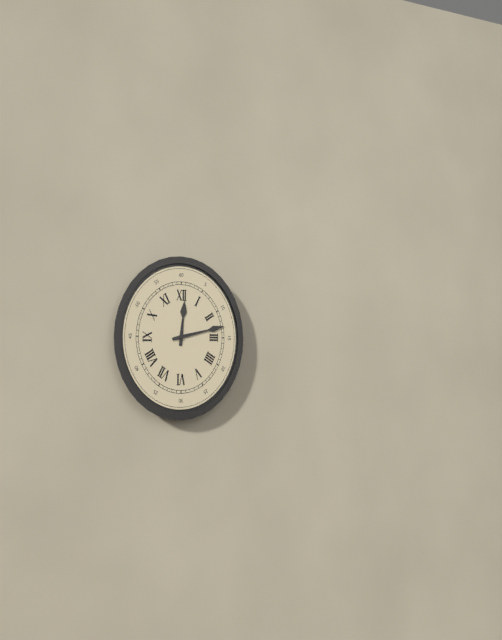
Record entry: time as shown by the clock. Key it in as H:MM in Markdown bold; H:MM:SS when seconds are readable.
**12:13**
